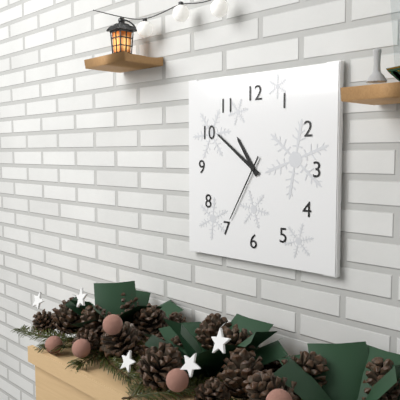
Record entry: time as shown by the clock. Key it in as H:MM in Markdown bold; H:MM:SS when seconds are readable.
**10:51:35**
